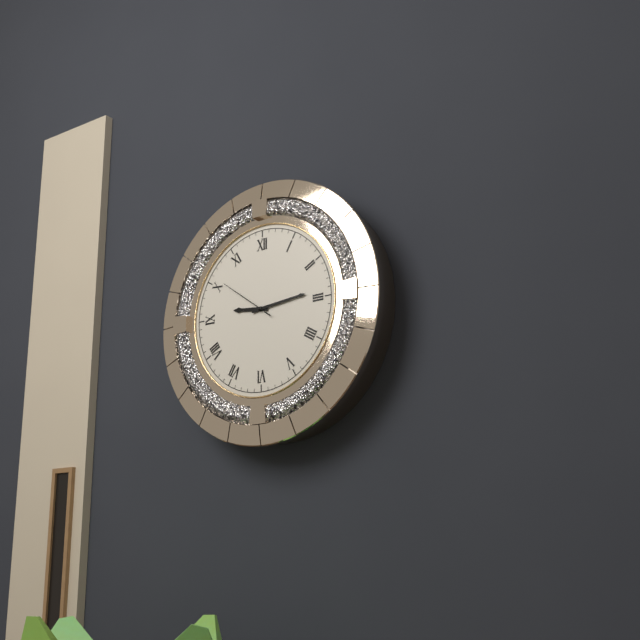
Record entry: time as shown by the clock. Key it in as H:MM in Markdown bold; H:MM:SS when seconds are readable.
**9:14:51**
